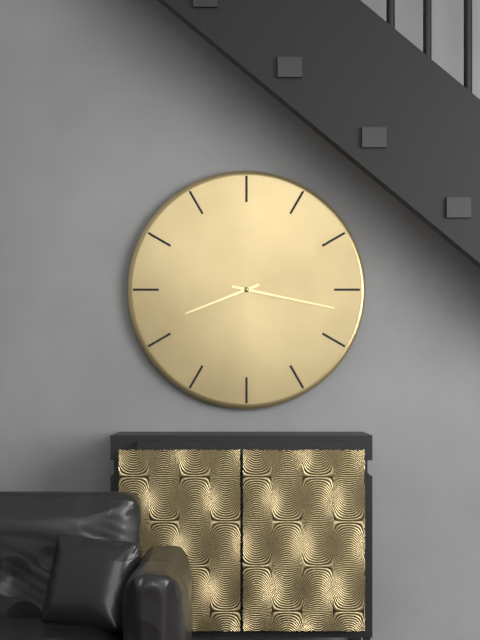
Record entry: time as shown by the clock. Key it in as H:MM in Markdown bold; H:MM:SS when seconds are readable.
**8:17**
